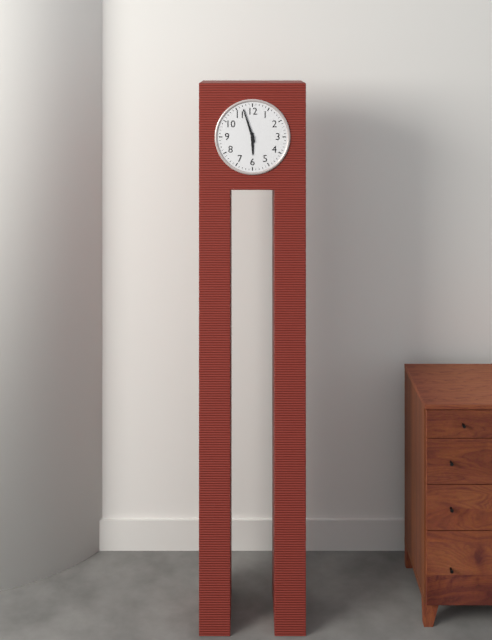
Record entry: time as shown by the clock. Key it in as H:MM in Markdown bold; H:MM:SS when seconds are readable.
**5:57**
